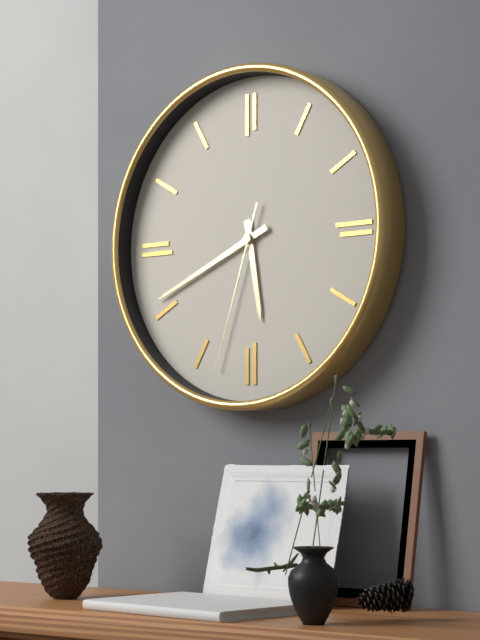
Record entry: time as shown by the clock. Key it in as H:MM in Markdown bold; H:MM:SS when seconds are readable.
**5:41:33**
